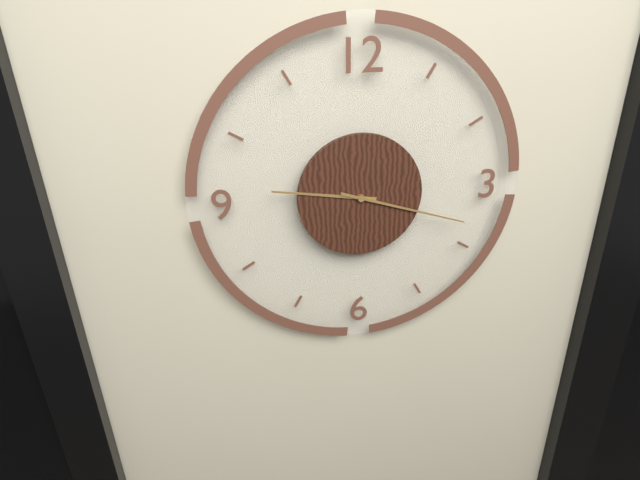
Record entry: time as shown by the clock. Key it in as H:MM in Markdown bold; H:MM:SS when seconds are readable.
**9:18**
